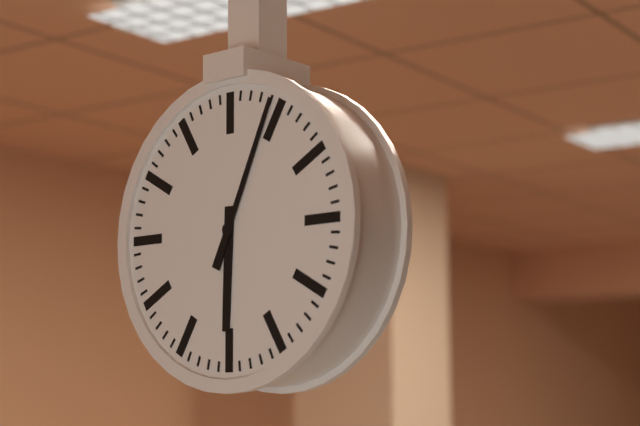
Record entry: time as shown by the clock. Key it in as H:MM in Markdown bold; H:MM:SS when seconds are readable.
**6:04**
